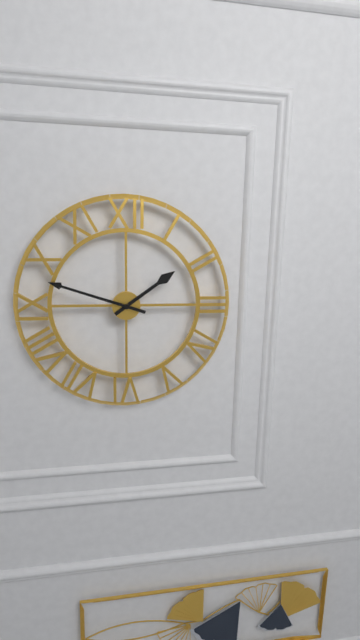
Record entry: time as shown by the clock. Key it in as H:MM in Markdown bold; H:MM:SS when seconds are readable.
**1:48**
